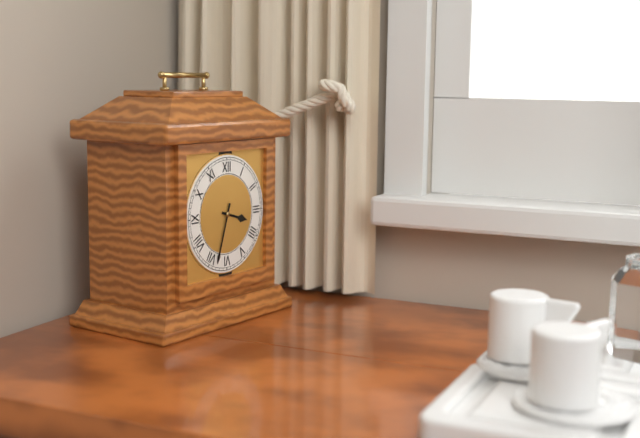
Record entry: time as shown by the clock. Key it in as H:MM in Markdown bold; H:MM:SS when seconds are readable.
**3:33**
